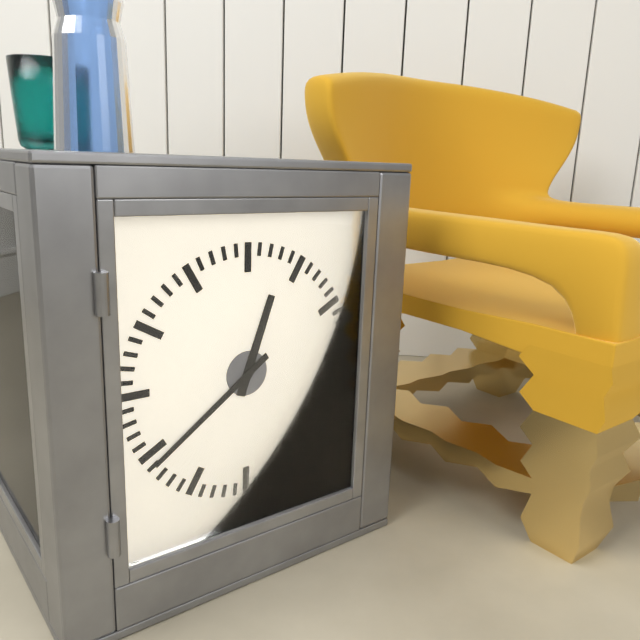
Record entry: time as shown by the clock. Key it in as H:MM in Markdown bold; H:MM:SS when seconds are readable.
**12:39**
